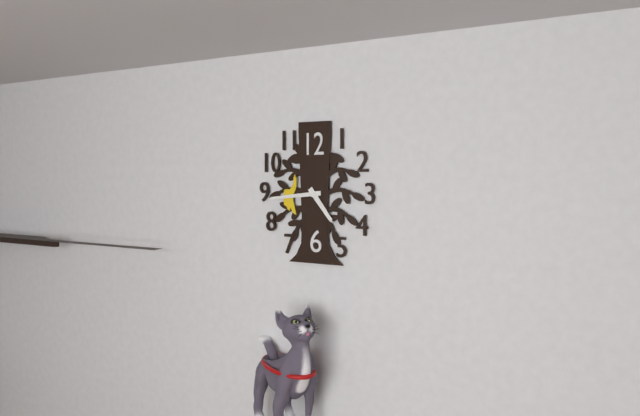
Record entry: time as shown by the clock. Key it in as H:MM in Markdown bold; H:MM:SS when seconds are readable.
**4:44**
